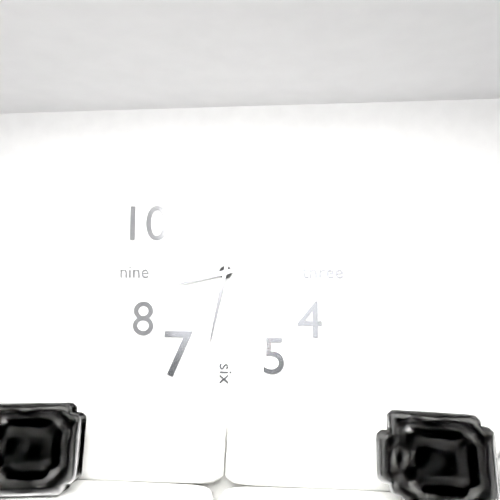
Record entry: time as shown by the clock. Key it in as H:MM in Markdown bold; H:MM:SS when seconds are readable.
**8:32**
